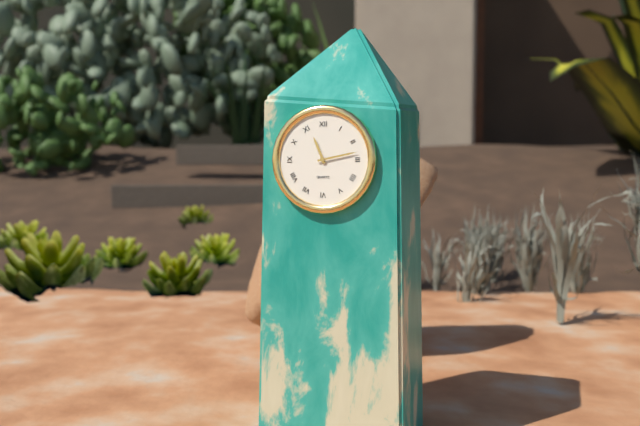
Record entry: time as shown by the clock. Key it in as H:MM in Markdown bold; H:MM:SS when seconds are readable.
**11:13**
